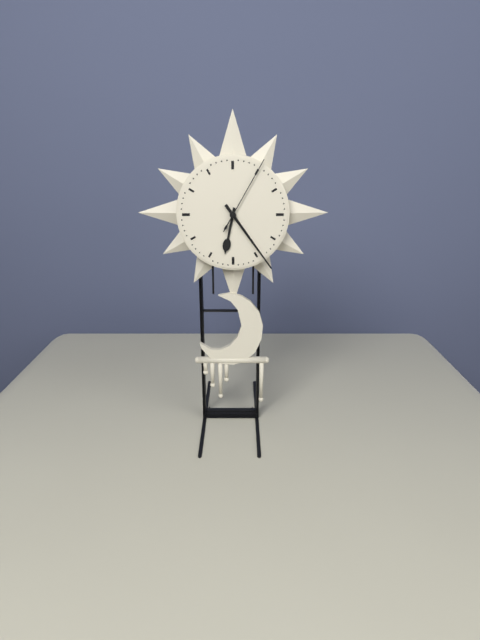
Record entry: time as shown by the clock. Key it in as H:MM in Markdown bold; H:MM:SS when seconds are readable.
**6:24:05**
